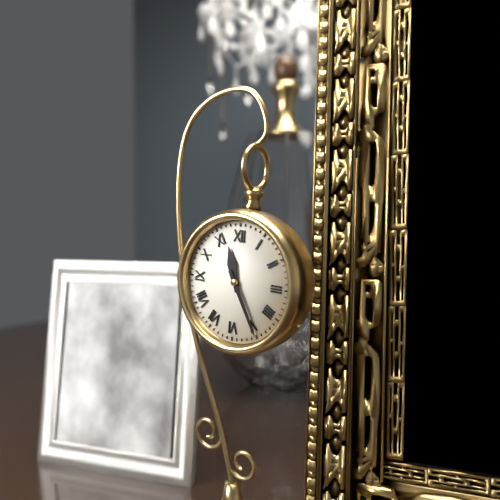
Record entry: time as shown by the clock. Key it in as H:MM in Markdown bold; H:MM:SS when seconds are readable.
**11:25**
